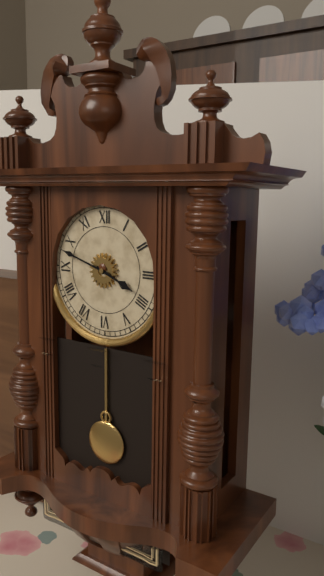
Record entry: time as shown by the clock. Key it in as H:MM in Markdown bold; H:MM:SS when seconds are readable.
**3:48**
